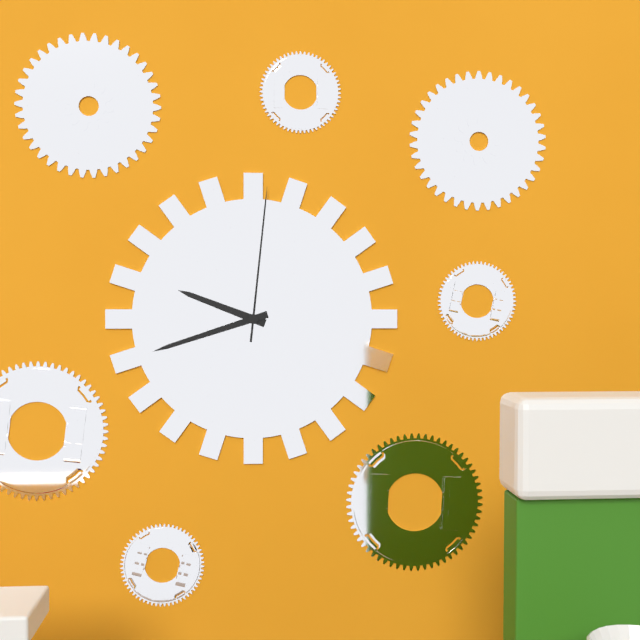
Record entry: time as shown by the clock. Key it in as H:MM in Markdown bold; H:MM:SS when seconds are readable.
**9:42:01**
